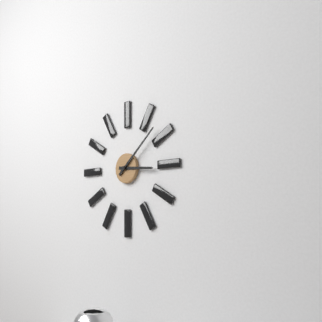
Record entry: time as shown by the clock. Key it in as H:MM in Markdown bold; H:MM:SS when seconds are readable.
**3:08**
